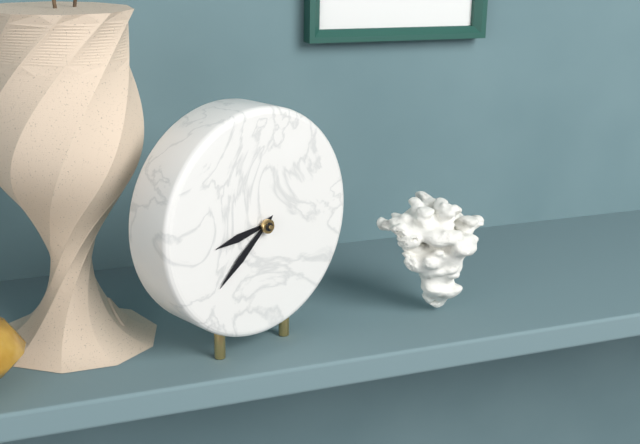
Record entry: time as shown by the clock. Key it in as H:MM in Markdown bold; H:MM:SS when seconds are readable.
**8:38**
